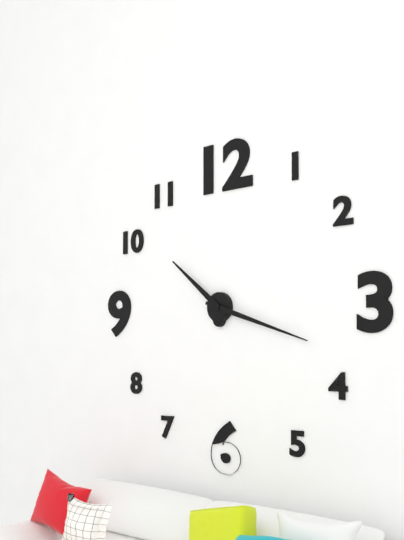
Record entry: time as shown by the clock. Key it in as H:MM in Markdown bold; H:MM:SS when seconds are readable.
**10:18**
